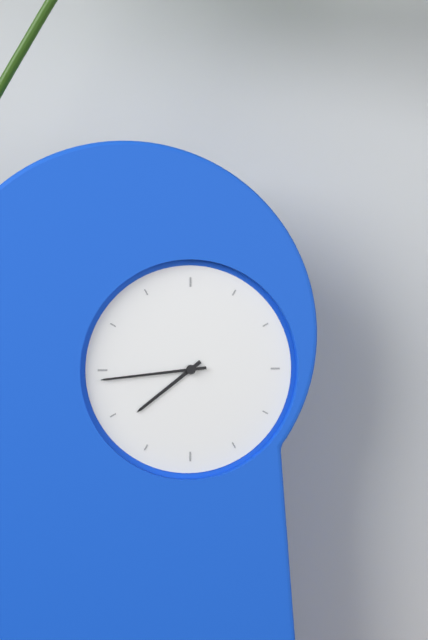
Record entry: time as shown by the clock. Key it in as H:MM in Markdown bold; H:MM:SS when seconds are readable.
**7:44**
